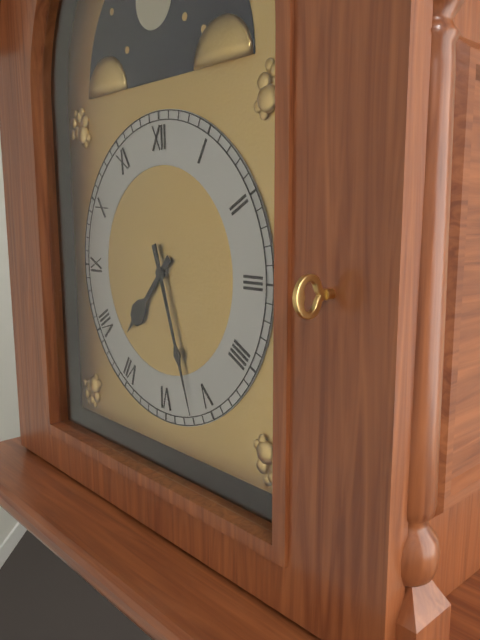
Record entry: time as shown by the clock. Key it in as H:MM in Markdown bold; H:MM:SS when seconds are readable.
**7:27**
